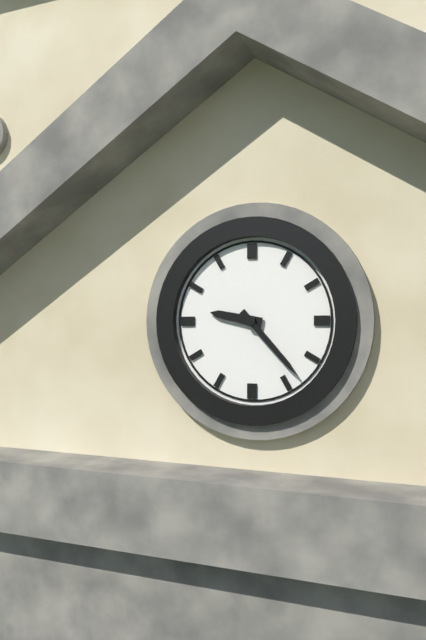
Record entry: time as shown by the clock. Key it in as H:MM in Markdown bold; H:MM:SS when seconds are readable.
**9:23**
